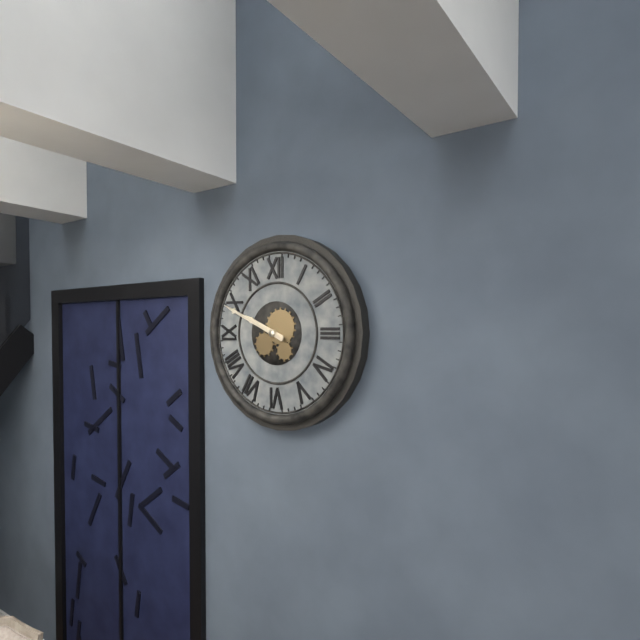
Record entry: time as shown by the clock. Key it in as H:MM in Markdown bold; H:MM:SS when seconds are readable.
**9:49**
